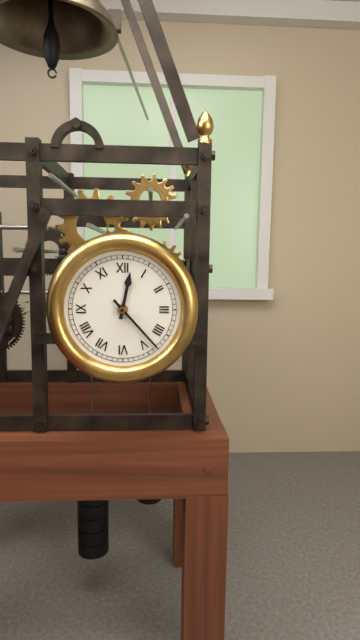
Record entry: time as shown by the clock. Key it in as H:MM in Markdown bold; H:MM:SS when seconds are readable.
**12:23**
